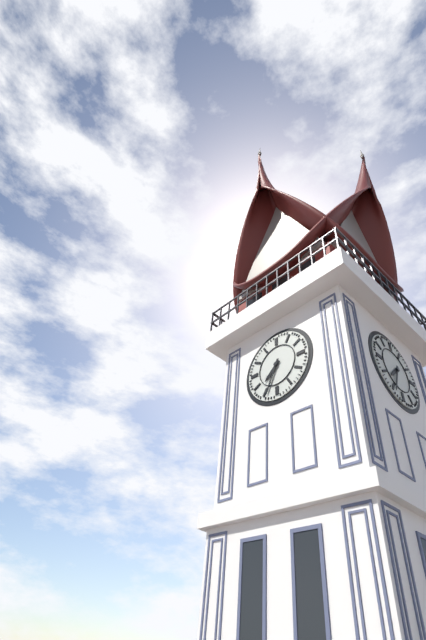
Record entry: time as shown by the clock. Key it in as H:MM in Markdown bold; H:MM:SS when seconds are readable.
**7:34**
